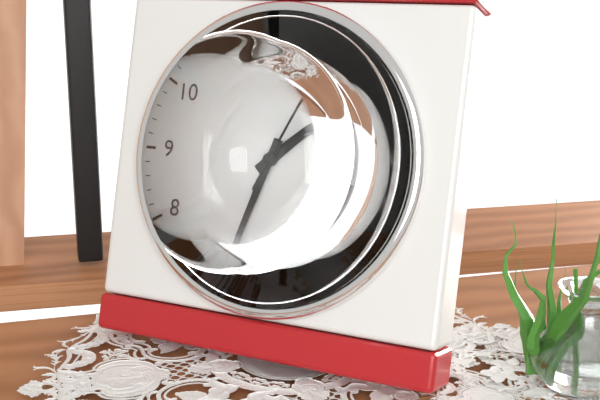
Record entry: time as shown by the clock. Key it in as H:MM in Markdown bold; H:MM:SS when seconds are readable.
**1:33:04**
